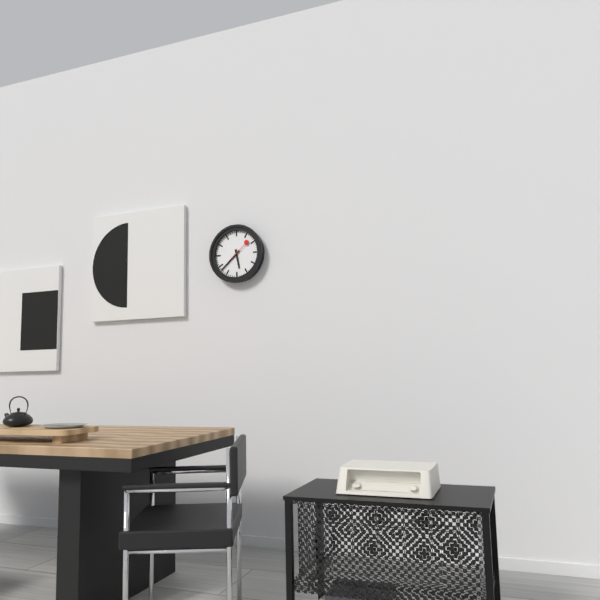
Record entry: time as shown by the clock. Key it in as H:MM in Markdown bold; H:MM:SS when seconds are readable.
**5:38**
